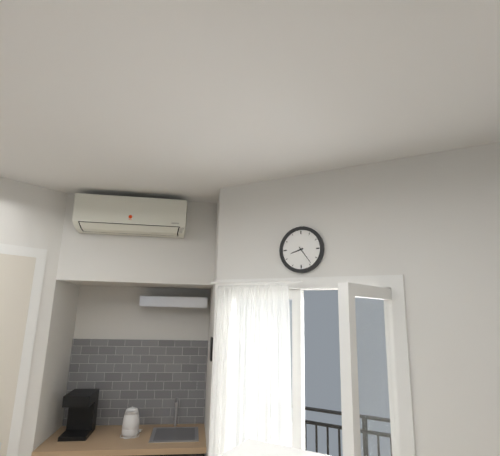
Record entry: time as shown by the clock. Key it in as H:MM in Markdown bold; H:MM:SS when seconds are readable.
**8:24**
